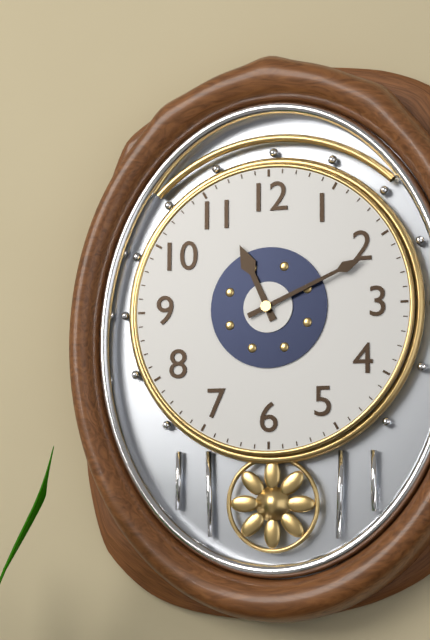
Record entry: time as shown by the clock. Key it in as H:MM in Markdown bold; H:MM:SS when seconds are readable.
**11:11**
